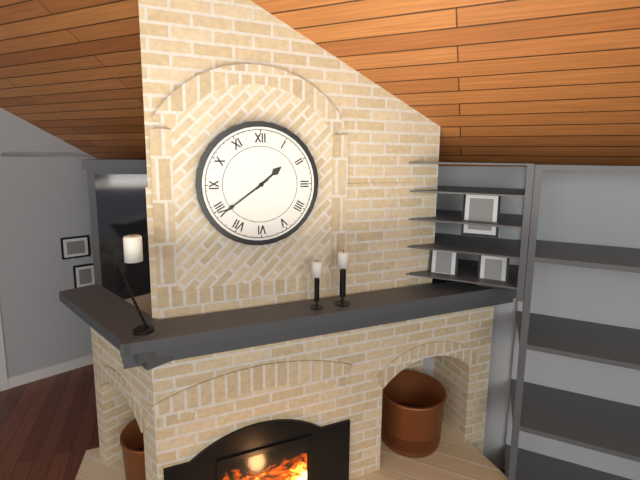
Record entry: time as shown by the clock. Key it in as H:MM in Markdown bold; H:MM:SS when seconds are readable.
**1:39**
